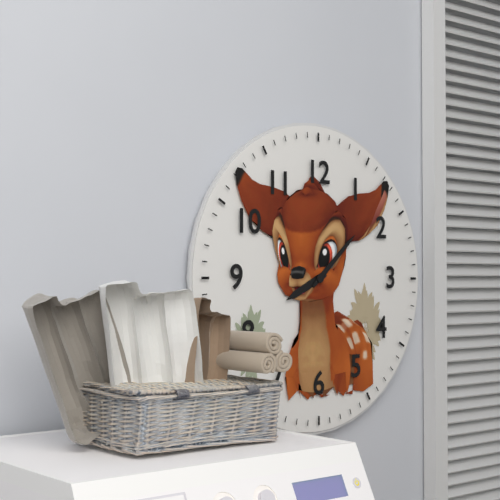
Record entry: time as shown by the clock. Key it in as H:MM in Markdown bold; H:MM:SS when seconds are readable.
**8:08**
